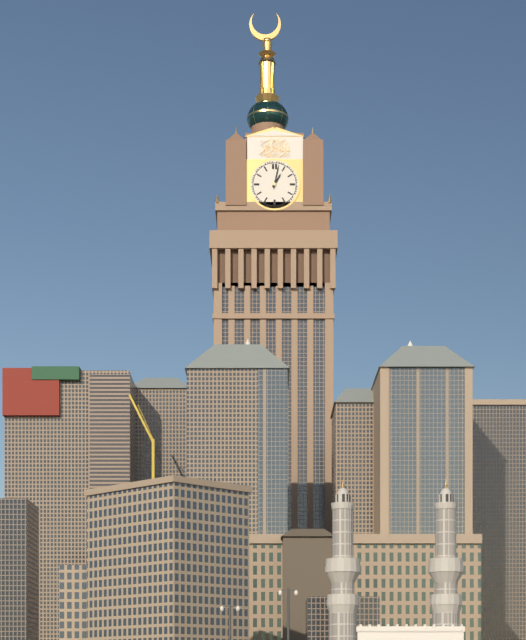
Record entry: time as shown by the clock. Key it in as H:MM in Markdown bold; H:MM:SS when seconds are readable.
**1:02**
